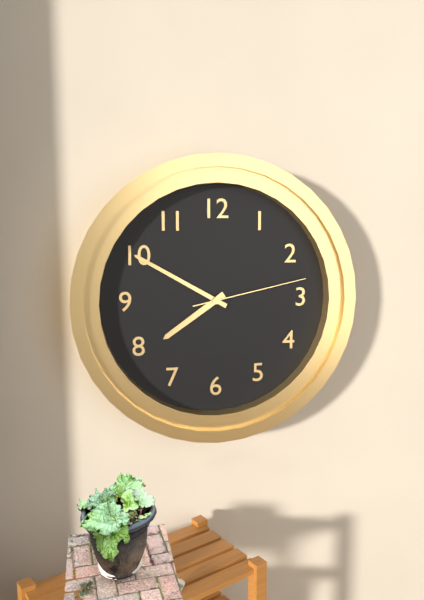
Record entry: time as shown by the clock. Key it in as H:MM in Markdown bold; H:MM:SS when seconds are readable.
**7:50:13**
